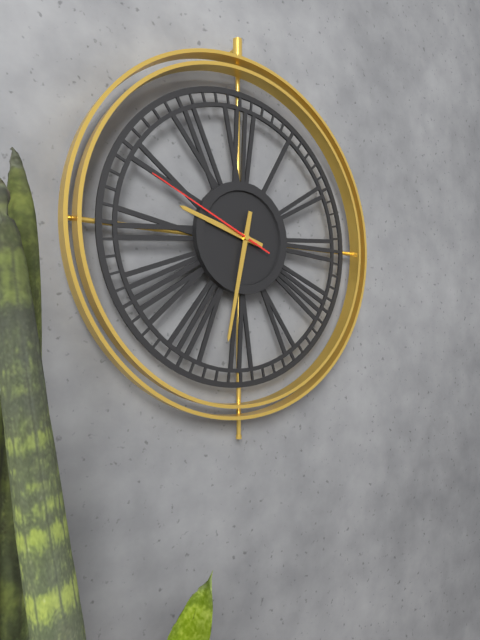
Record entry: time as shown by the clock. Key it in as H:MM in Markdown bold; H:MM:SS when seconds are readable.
**9:32:49**
